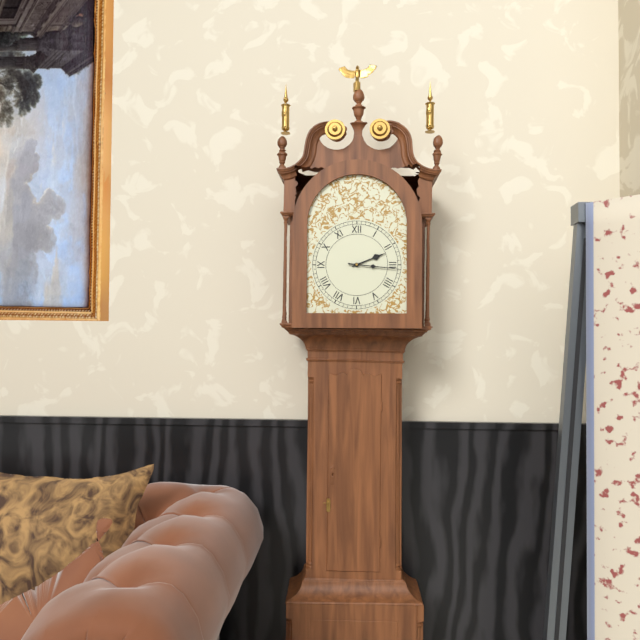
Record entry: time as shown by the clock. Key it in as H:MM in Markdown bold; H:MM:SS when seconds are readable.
**2:16**
